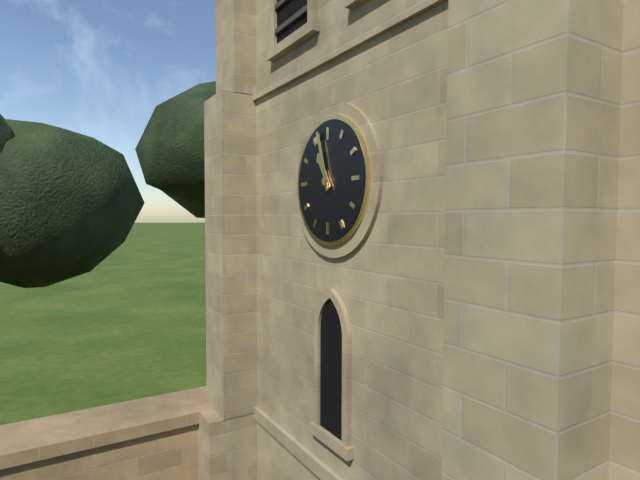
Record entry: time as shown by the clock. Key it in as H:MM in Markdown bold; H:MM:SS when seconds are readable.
**10:57**
